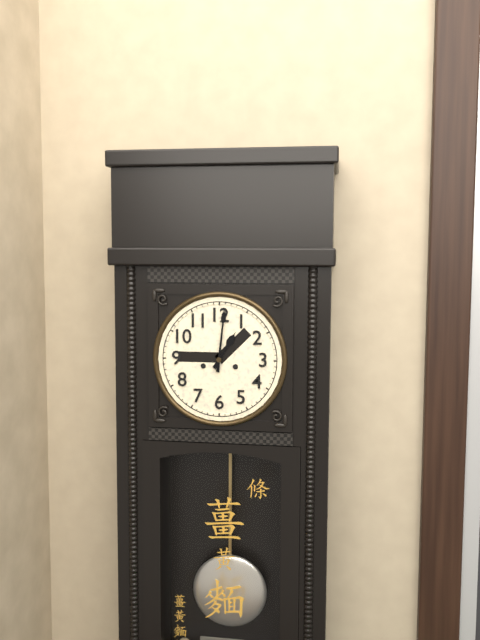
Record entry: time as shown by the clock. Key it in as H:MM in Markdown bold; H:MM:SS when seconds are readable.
**1:01**
